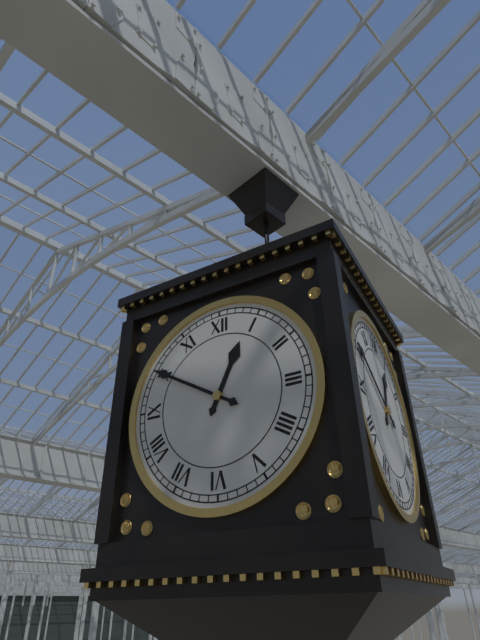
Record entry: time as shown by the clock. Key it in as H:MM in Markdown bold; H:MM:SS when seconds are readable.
**12:50**
